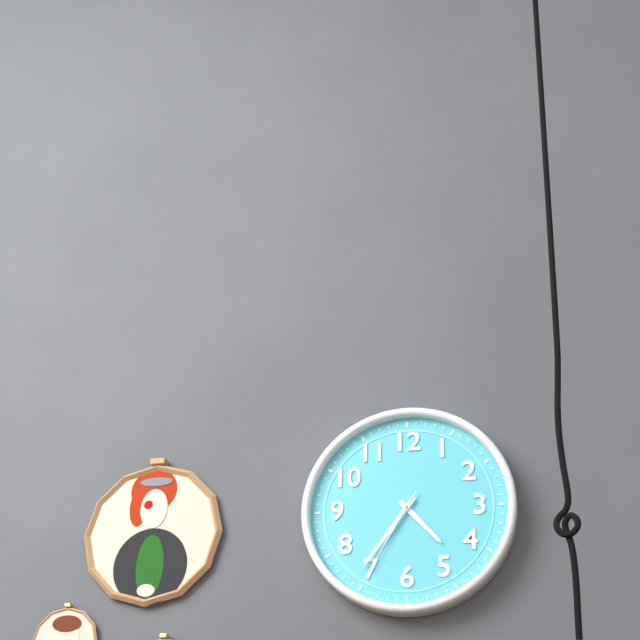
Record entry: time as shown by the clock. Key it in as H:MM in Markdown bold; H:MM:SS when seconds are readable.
**4:36:35**
